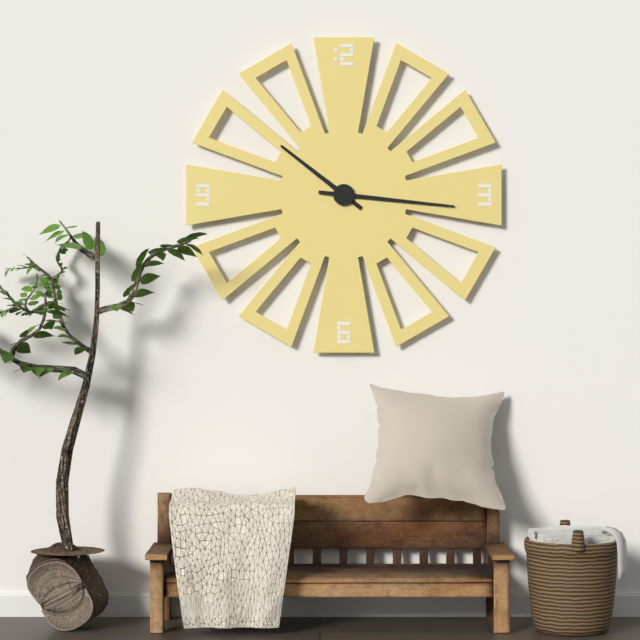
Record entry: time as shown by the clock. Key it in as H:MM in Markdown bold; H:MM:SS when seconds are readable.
**10:16**
